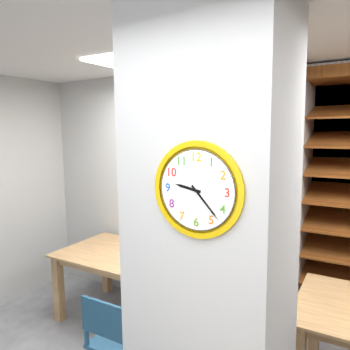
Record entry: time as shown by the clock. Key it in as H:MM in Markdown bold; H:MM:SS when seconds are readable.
**9:23**
